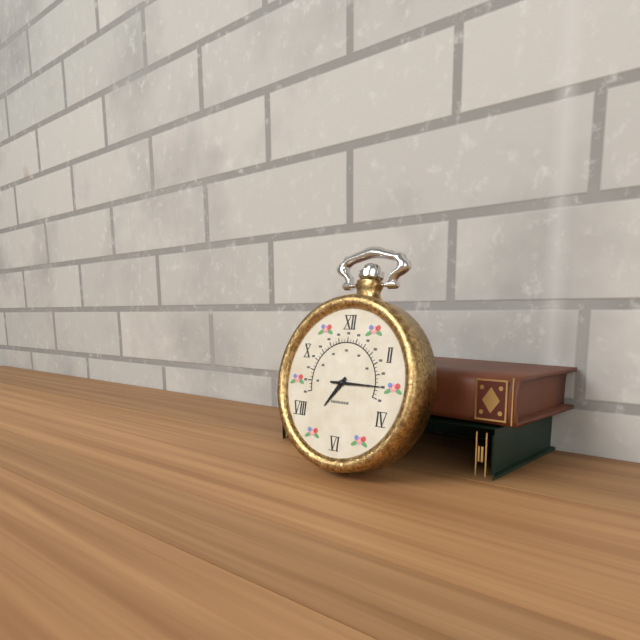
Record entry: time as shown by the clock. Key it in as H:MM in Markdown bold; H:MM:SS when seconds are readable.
**7:15**
